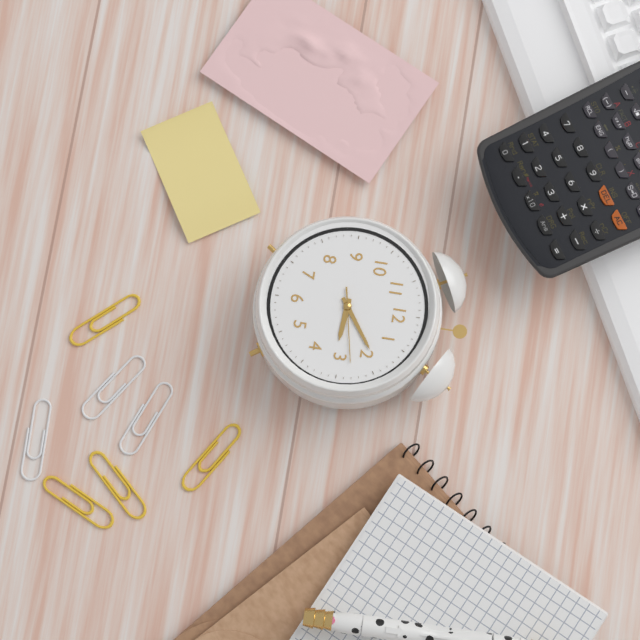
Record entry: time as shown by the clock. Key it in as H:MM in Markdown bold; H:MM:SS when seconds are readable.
**3:09:13**
